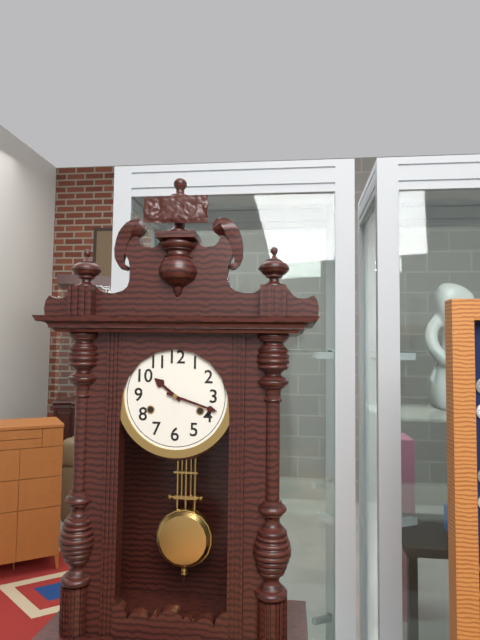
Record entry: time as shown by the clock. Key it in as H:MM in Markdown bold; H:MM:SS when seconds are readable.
**10:18**
